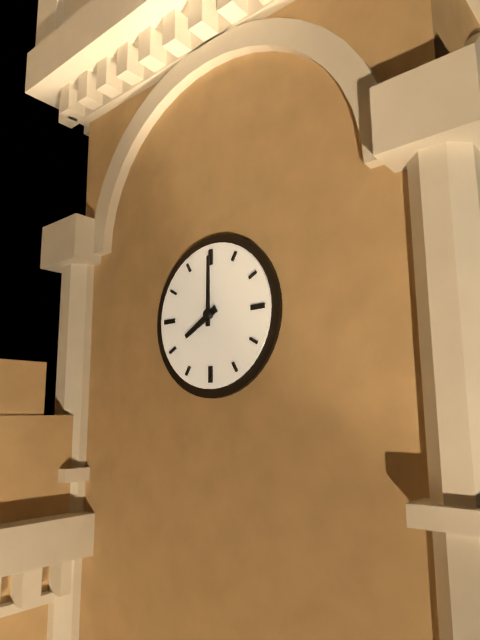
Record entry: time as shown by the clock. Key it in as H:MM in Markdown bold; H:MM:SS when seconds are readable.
**8:00**
